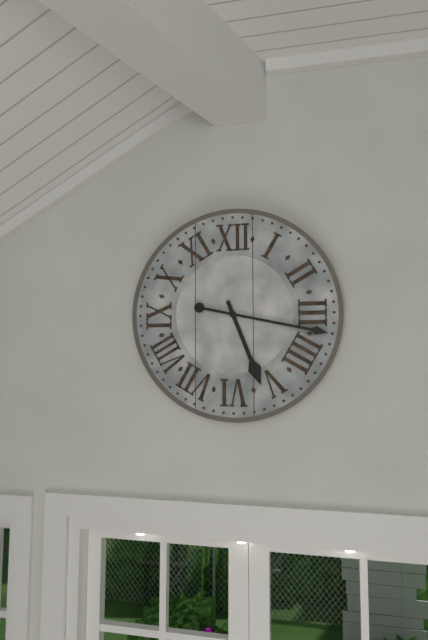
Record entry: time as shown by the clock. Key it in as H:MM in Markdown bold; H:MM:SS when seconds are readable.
**5:17**
